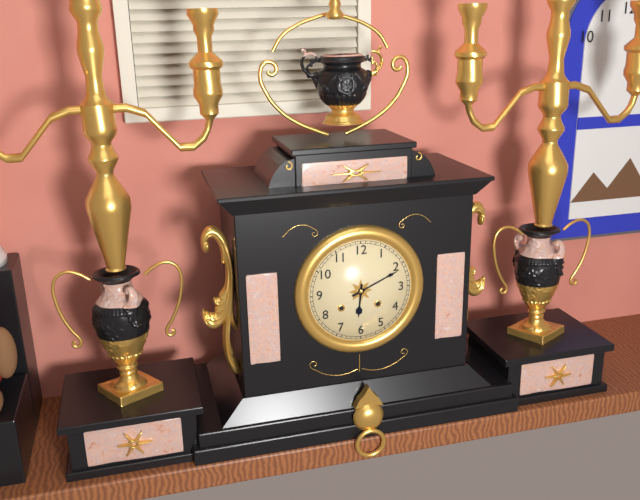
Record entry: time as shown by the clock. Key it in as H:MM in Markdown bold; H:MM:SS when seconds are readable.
**6:11**
